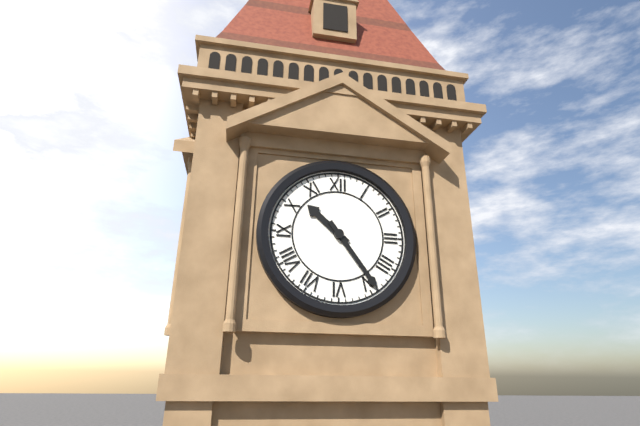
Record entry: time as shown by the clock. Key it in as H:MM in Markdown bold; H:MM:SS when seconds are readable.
**10:24**
